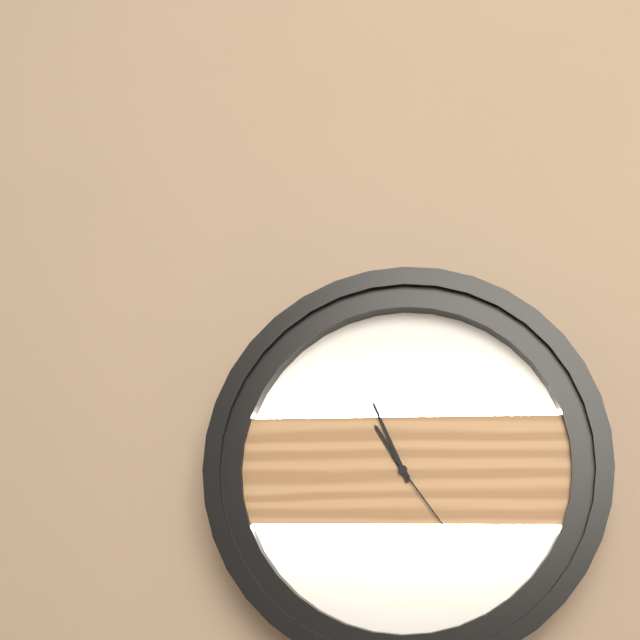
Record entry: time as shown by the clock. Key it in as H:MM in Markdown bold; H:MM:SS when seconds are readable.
**10:56:24**
